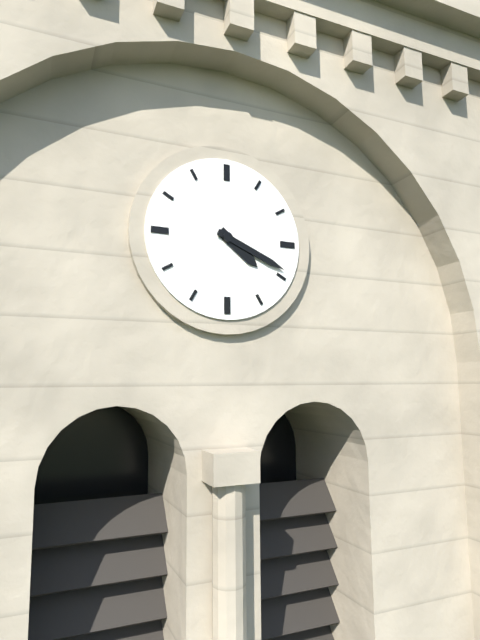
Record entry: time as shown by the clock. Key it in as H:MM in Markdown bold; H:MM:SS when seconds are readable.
**4:19**
